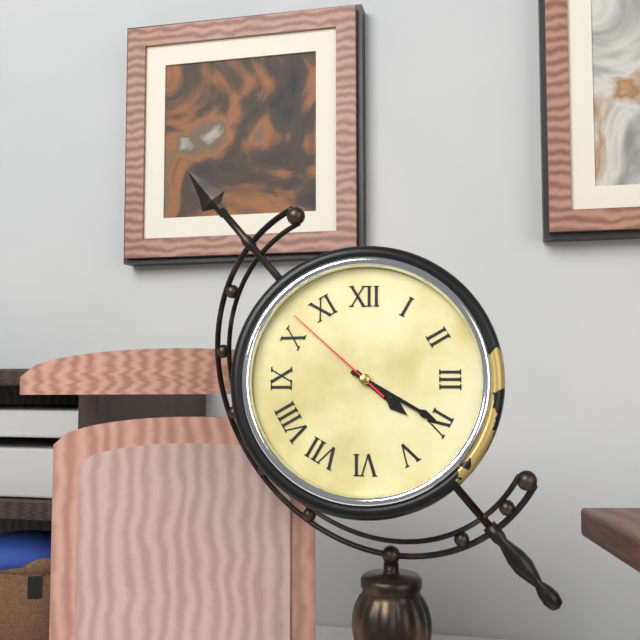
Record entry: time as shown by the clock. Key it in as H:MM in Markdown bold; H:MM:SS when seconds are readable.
**4:20:52**
